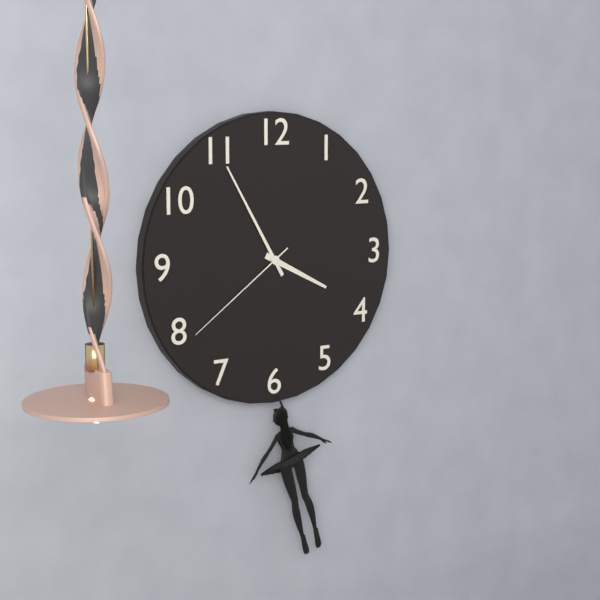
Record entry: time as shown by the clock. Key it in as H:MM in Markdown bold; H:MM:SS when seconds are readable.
**3:55:39**
